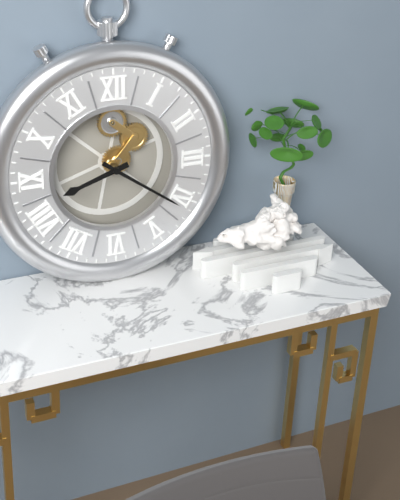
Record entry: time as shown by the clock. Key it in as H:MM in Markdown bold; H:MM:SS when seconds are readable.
**8:21**
